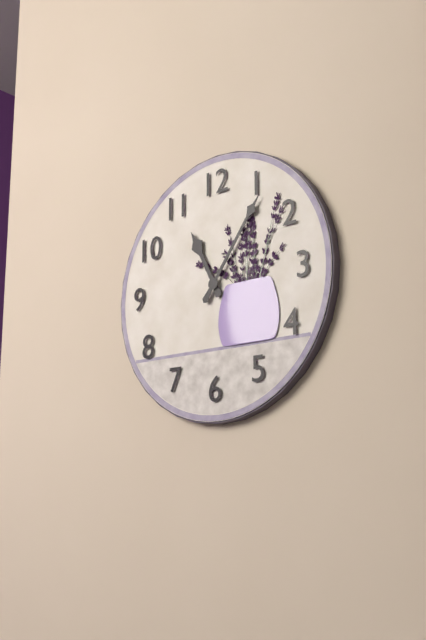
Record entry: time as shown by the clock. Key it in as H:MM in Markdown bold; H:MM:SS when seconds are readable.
**11:06**
